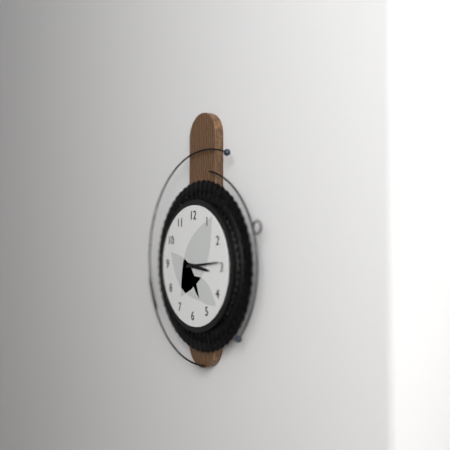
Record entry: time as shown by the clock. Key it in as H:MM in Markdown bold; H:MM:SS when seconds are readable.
**3:14**
